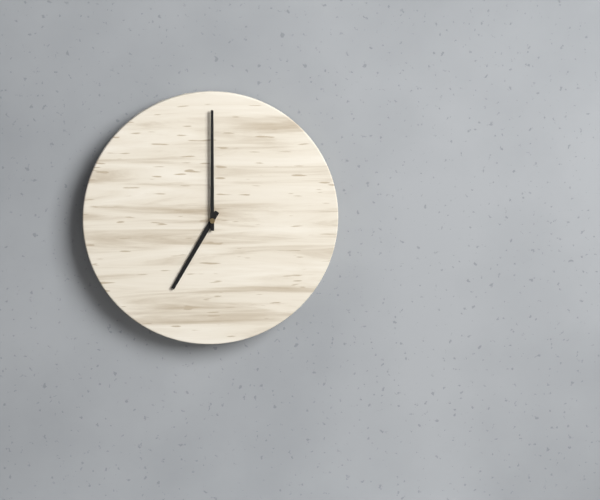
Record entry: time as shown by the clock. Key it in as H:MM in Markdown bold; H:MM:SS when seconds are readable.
**7:00**
